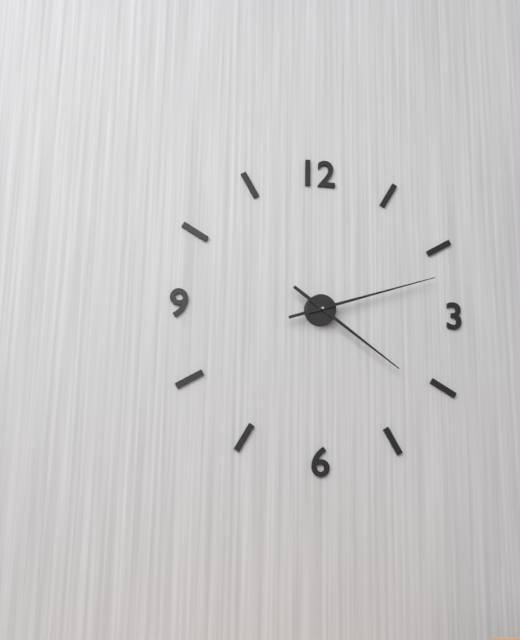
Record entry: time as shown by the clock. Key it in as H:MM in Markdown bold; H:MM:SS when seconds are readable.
**4:12**
